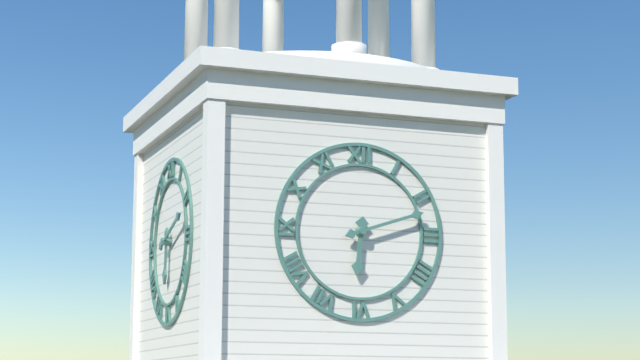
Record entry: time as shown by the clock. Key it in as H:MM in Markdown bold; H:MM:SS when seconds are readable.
**6:12**
